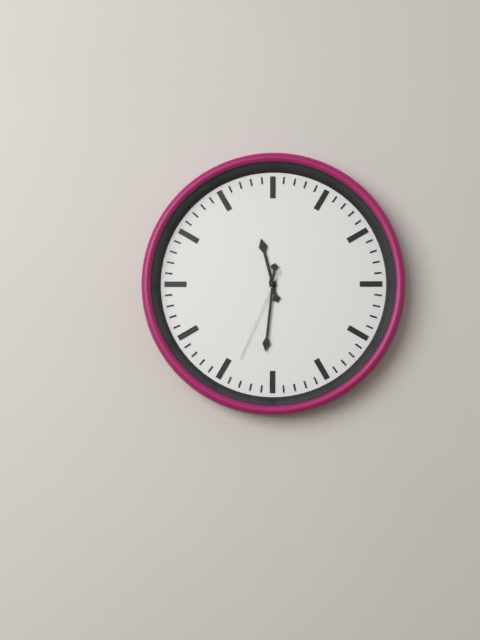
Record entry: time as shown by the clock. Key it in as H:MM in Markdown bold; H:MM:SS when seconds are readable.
**11:31:34**
